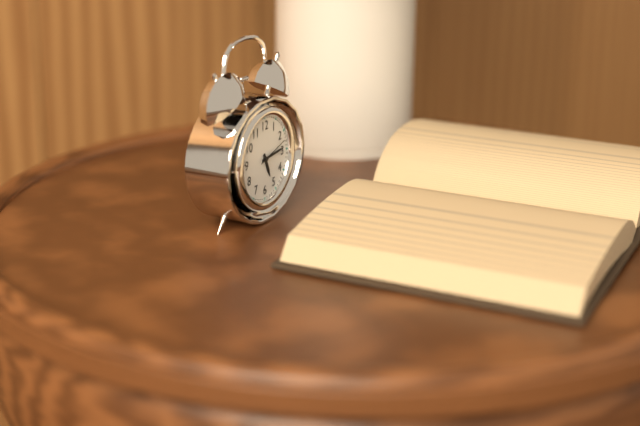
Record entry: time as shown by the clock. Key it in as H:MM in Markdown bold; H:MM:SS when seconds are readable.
**5:14**
